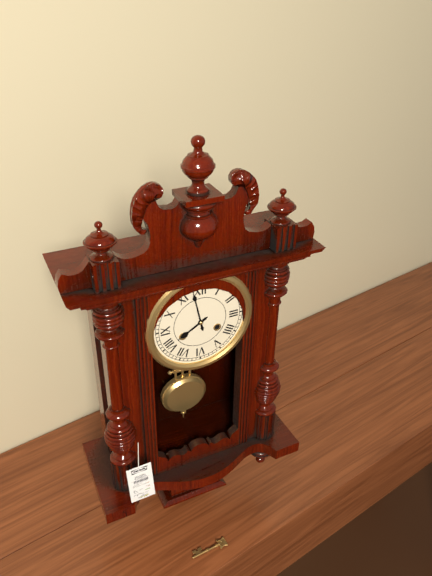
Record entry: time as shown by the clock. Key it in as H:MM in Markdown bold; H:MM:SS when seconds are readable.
**7:58**
